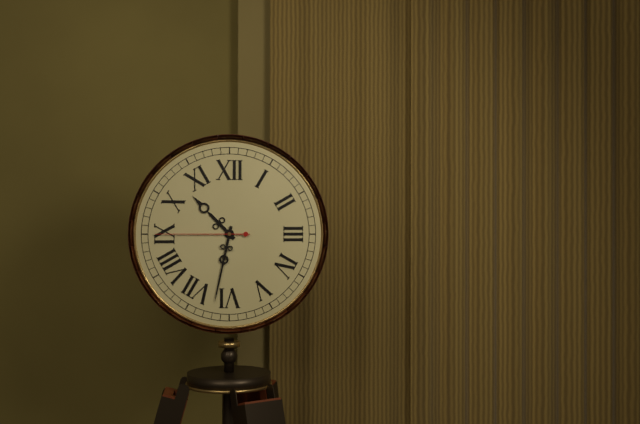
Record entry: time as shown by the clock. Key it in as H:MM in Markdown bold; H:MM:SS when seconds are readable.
**10:32:45**
